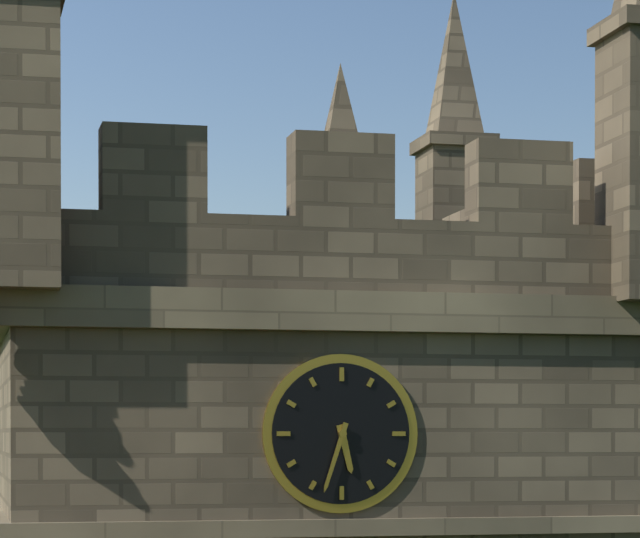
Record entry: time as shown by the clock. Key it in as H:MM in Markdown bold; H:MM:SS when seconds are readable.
**5:33**
